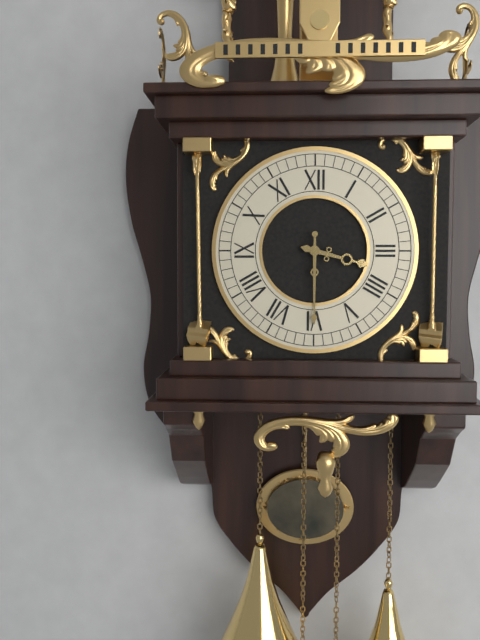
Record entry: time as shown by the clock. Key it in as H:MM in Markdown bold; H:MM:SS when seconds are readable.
**3:30**
